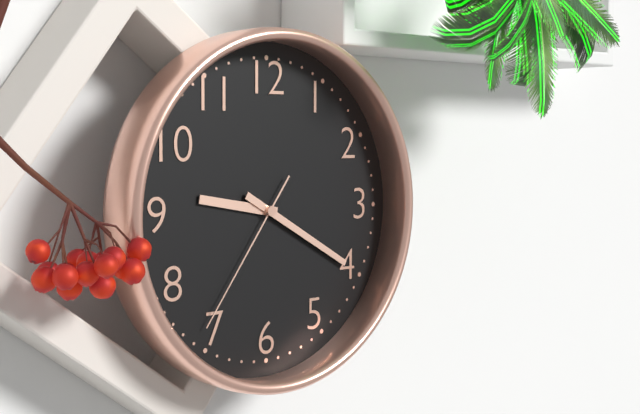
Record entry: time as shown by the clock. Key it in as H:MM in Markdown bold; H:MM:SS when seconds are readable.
**9:20:36**
